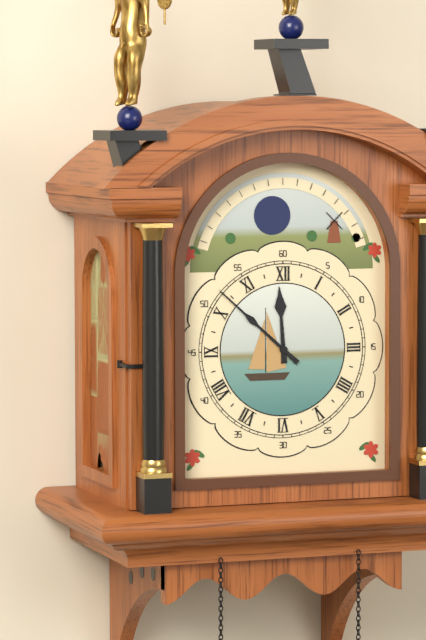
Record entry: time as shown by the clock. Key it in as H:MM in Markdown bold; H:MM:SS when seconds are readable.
**11:52**
